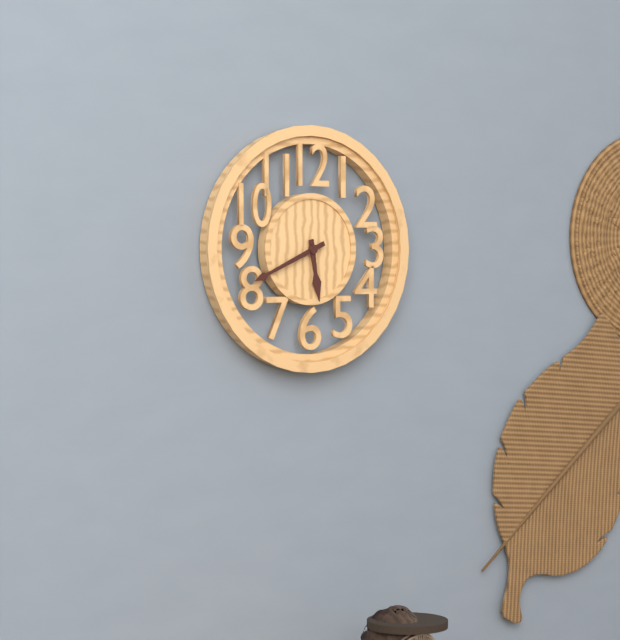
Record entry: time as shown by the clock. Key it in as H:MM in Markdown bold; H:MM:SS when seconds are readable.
**5:41**
